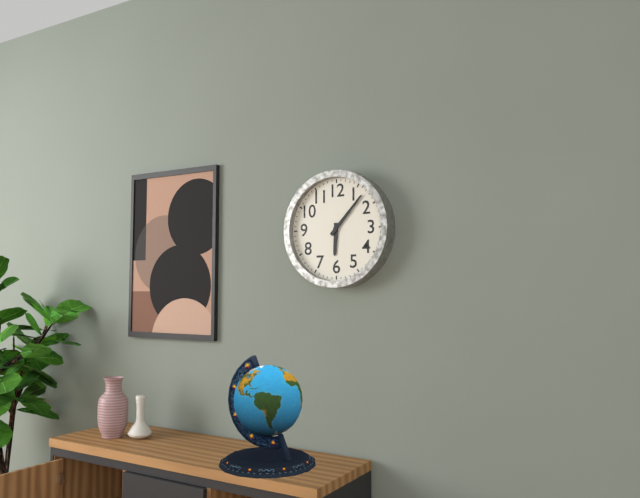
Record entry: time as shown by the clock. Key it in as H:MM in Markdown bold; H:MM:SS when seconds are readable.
**6:07**
